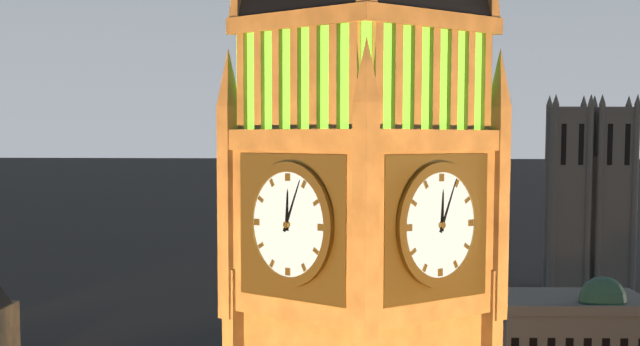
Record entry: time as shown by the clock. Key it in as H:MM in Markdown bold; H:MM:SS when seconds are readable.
**12:04**
